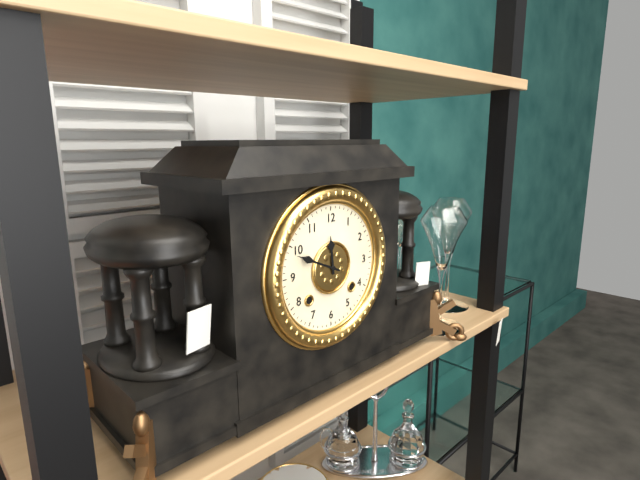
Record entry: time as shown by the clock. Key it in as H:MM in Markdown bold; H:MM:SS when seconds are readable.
**11:49**
